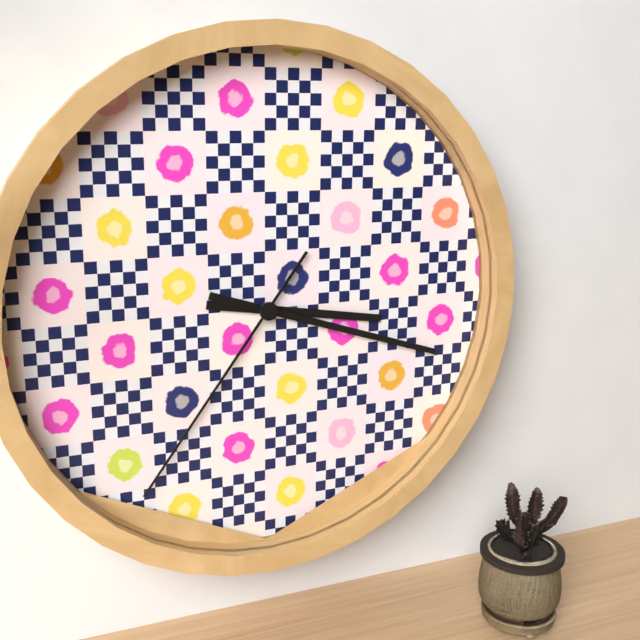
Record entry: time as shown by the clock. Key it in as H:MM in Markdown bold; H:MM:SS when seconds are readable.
**3:18:36**
